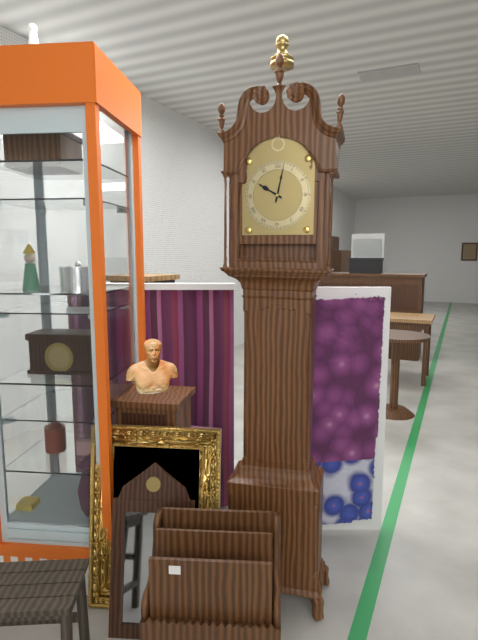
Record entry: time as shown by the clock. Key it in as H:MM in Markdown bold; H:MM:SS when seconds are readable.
**10:02**
